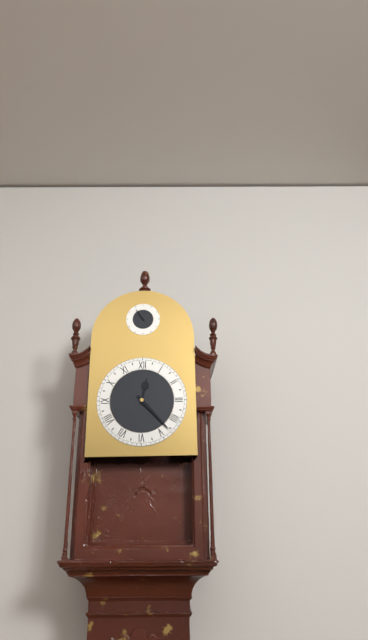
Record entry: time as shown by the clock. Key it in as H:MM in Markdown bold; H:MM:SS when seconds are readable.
**12:23**
